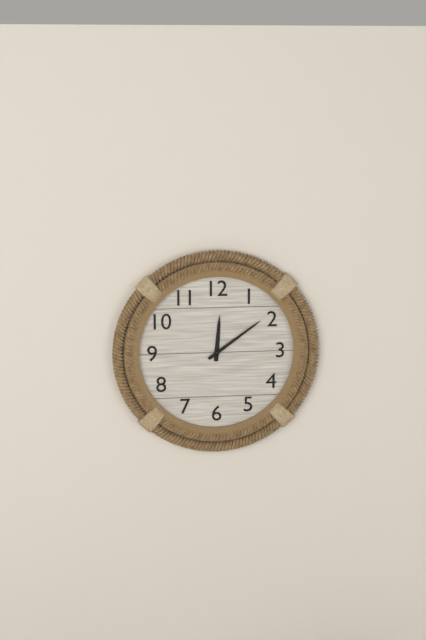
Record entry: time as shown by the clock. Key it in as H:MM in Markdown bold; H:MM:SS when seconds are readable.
**12:09**
